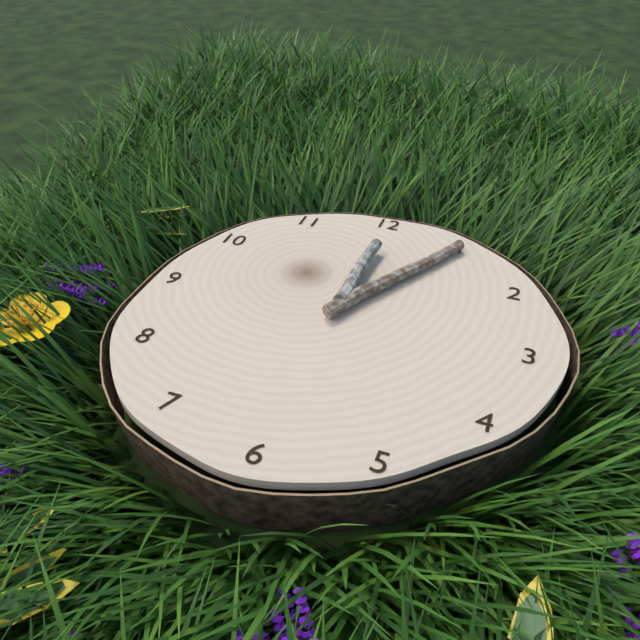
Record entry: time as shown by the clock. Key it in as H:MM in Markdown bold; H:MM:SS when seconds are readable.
**12:05**
